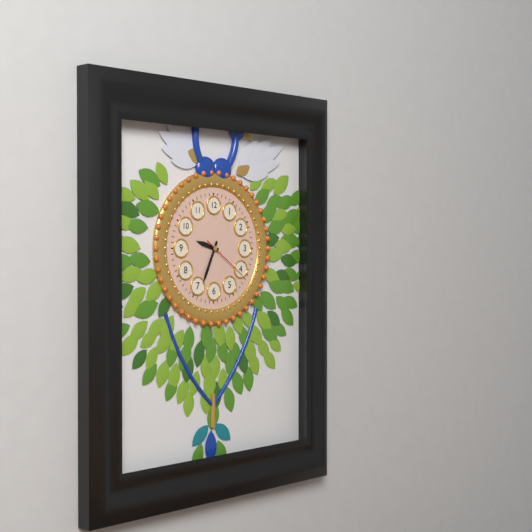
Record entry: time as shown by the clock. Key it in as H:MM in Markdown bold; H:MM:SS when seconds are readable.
**9:34**
